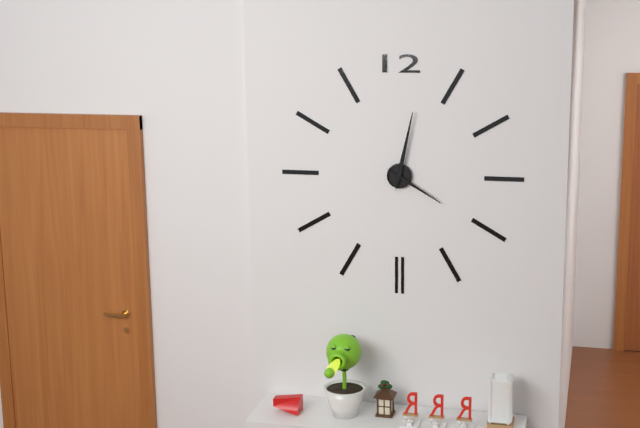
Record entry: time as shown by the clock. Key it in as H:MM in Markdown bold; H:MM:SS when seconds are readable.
**4:02**
